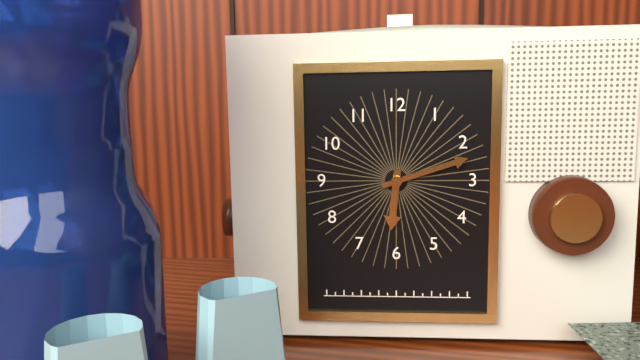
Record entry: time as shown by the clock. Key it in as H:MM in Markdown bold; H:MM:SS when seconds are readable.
**6:12**
